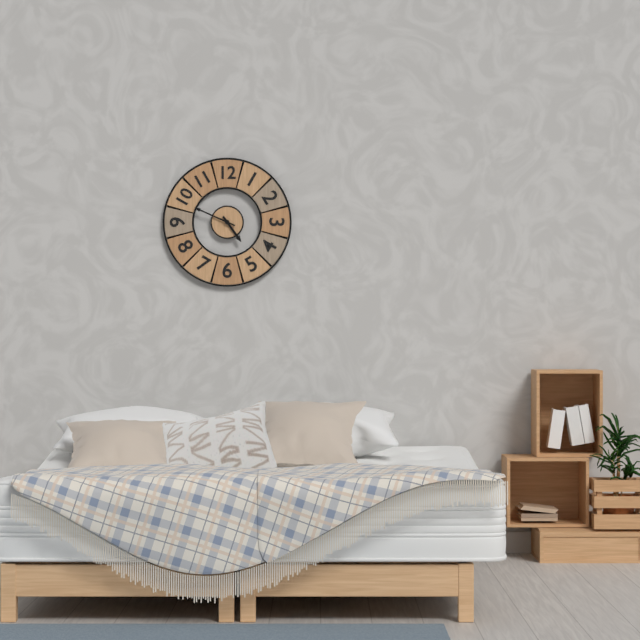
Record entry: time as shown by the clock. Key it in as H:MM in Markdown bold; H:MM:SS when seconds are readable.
**4:49**
